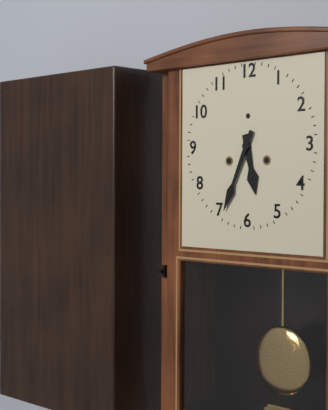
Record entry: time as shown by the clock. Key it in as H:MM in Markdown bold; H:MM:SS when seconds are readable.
**5:34**
